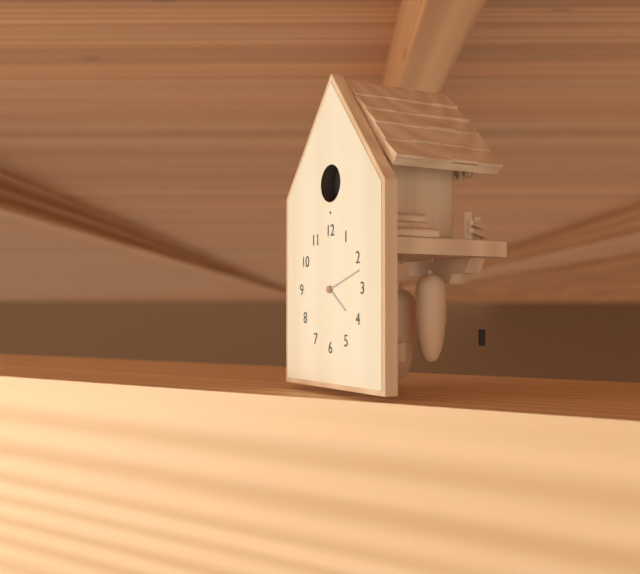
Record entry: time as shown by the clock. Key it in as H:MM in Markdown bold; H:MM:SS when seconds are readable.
**4:12**
